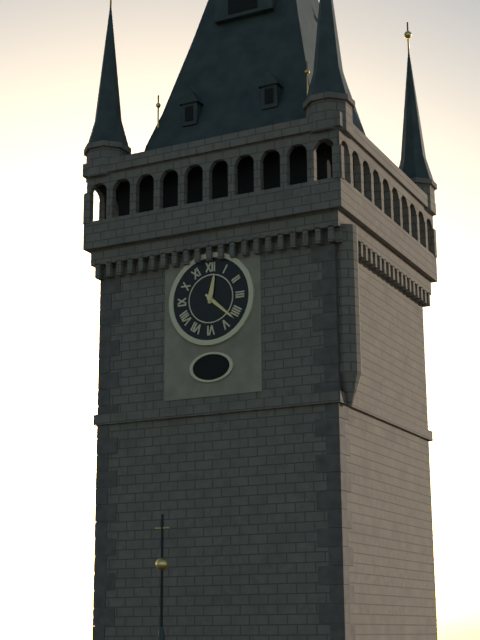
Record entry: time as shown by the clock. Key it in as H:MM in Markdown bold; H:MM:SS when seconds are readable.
**12:22**
